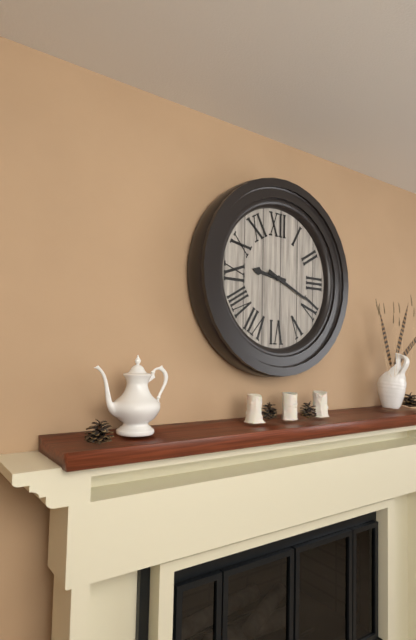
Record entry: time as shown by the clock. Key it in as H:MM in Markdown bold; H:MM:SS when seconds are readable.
**9:19**
